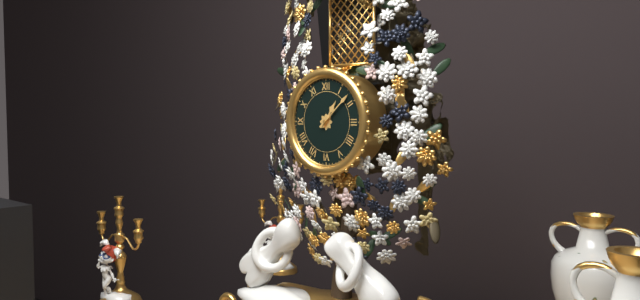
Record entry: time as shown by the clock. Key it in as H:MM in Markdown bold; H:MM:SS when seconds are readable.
**1:08**
